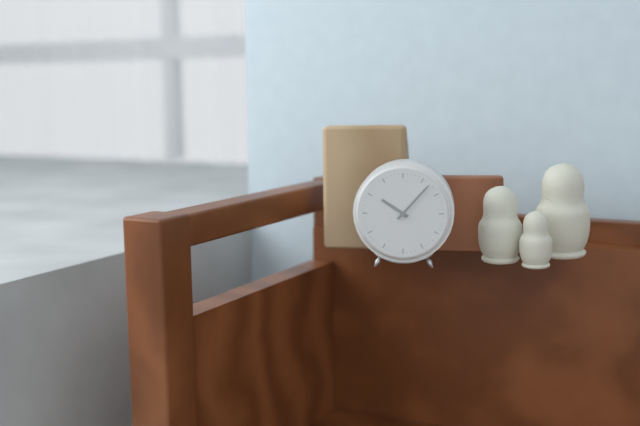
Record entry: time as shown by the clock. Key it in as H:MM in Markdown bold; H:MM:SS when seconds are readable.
**10:07**
